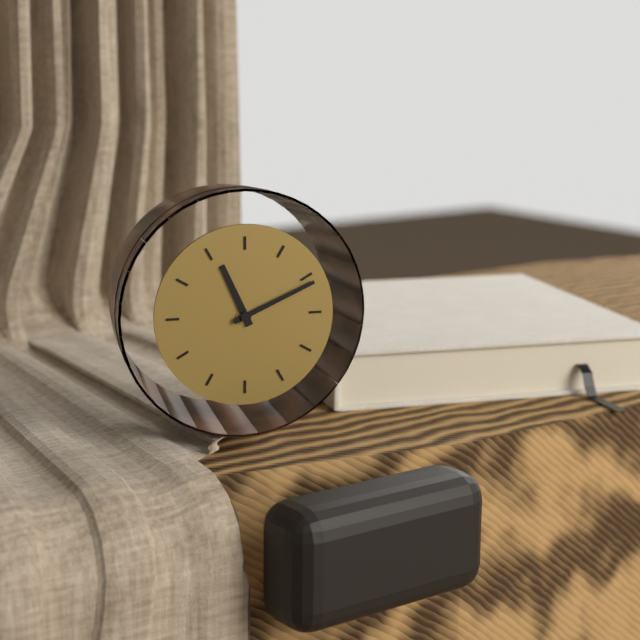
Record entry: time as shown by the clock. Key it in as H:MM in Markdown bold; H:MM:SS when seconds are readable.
**11:11**
